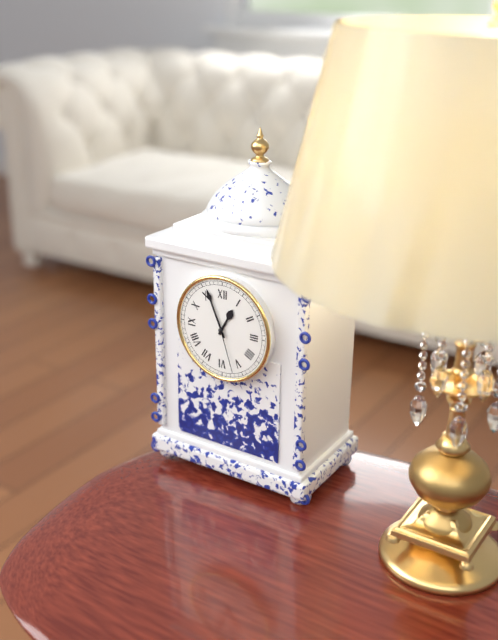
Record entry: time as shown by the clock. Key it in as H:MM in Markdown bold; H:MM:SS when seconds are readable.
**12:56:27**
